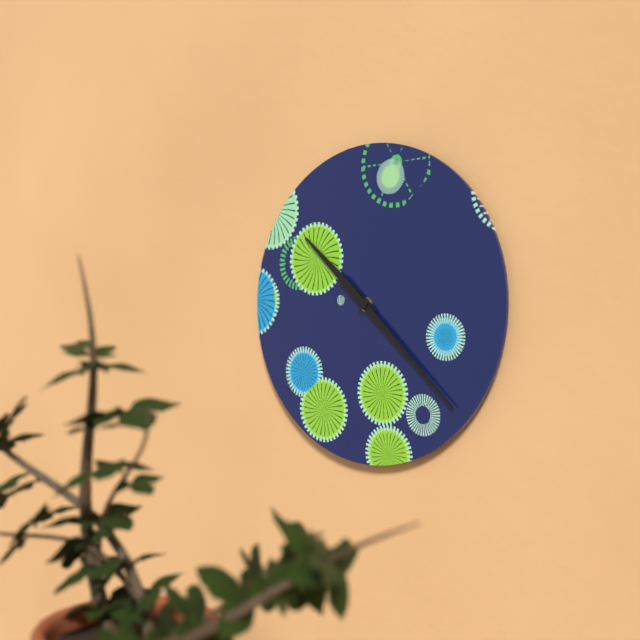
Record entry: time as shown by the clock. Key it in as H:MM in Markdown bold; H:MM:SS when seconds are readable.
**10:22**
